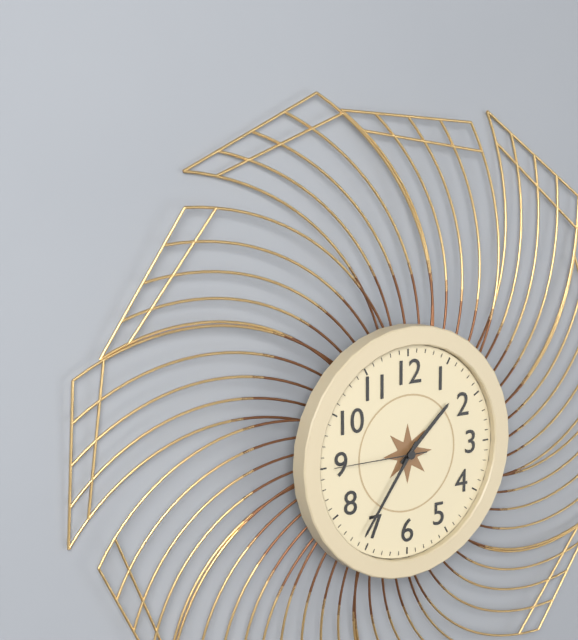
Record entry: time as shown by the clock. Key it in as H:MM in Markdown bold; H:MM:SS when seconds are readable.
**1:36:45**
